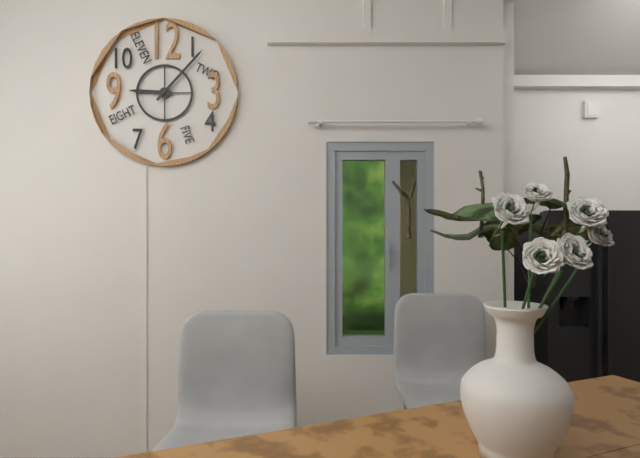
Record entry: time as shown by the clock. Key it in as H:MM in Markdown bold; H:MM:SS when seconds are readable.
**9:07**
